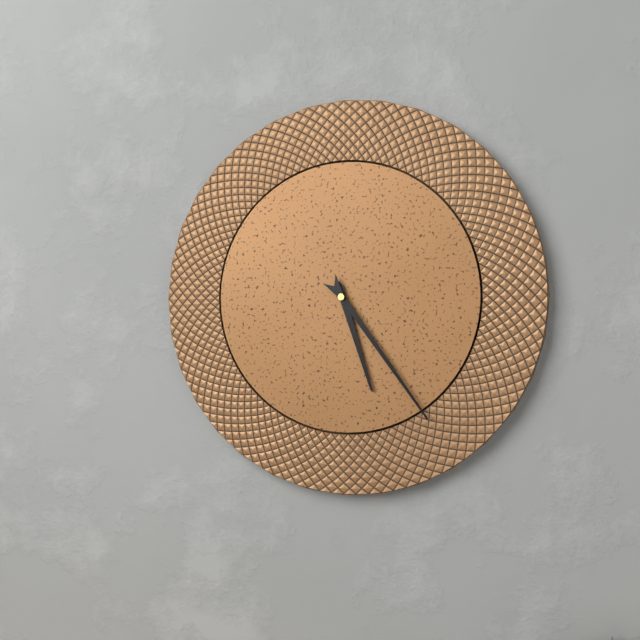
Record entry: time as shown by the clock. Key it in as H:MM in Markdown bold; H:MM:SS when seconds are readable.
**5:24**
